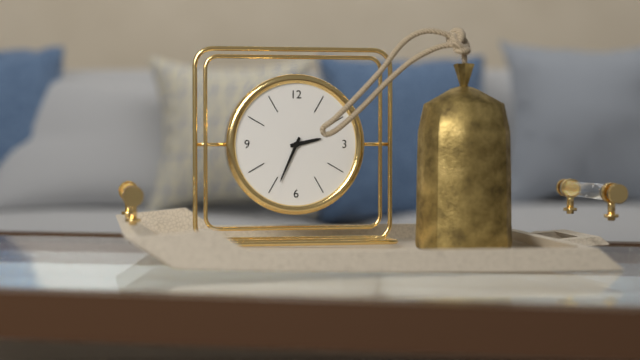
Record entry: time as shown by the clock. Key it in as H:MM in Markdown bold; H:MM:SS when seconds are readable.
**2:34**
